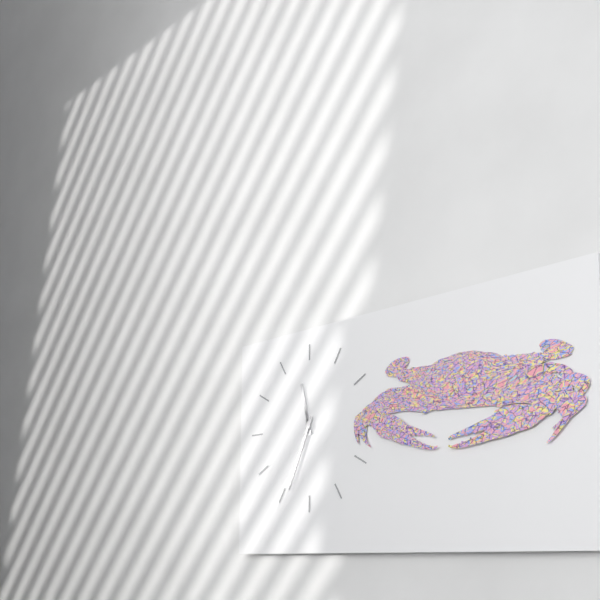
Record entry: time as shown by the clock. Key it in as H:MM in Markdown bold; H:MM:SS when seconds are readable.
**11:34**
